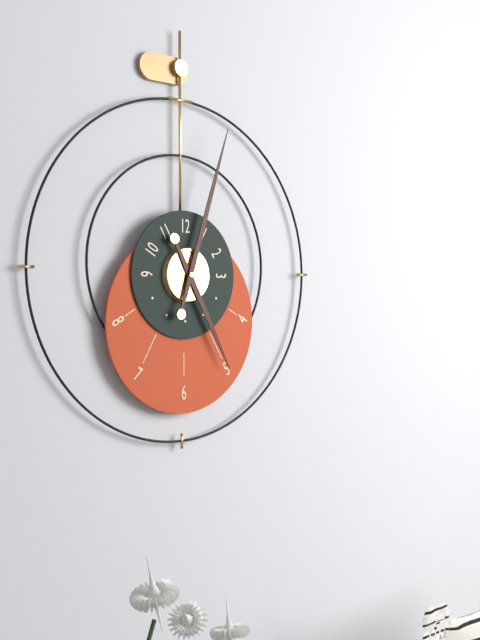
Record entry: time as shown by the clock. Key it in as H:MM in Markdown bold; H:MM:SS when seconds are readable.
**5:03**
